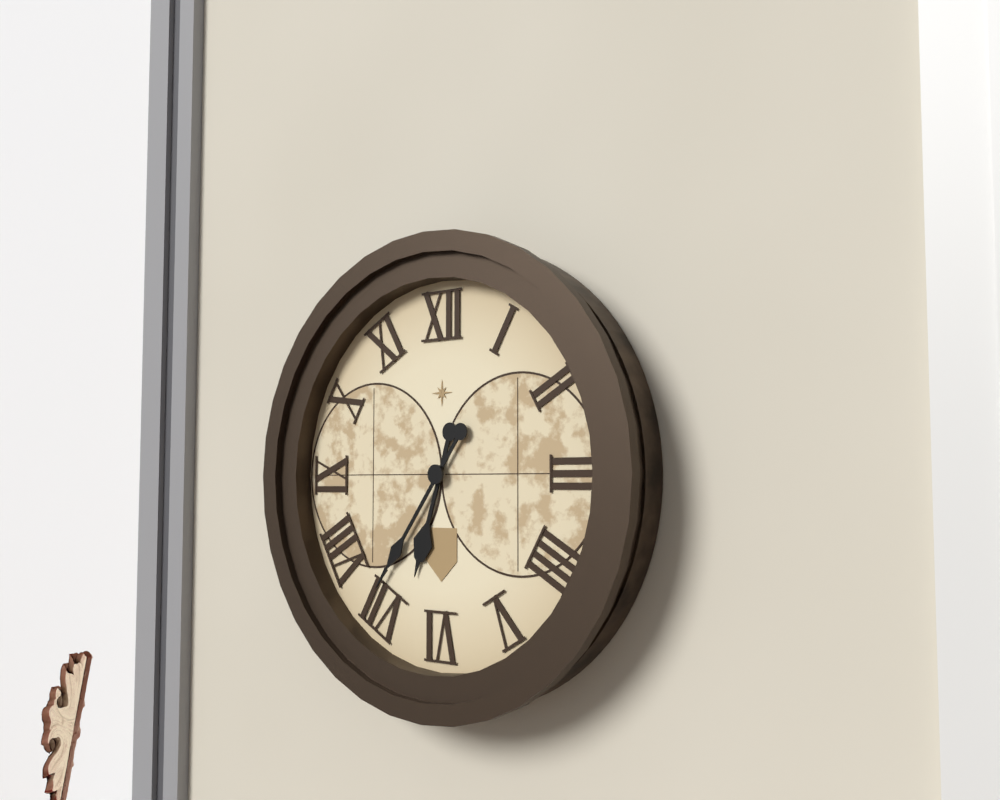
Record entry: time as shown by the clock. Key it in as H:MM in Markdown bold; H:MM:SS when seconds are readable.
**6:36**
